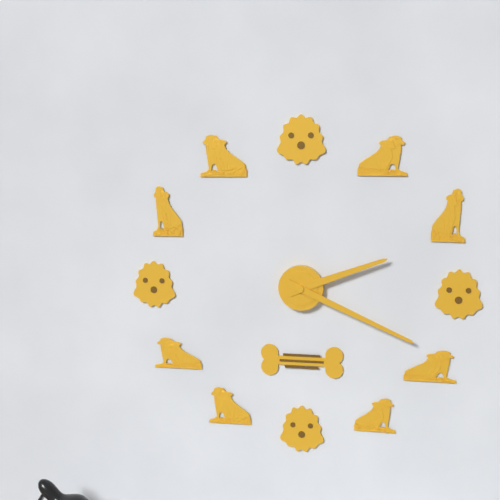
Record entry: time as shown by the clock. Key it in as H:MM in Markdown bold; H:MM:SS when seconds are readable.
**2:19**
